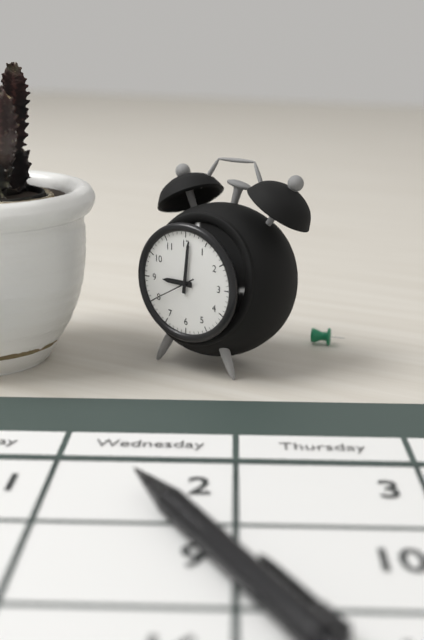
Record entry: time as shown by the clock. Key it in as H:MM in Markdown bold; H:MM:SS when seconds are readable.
**9:01**
